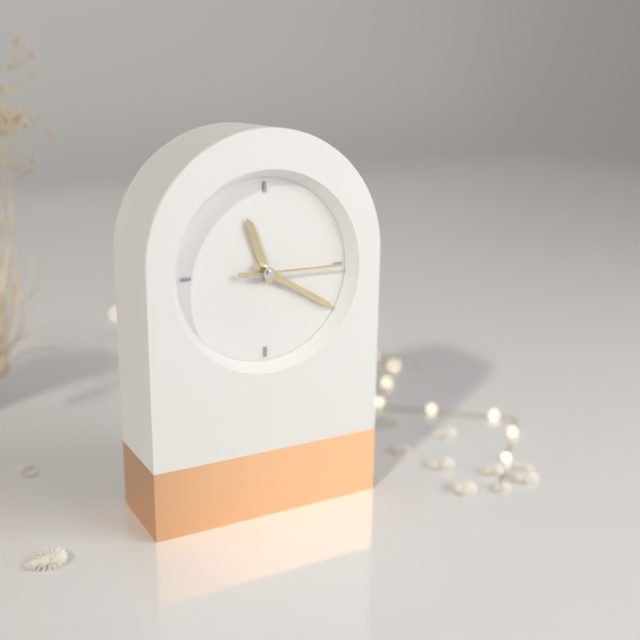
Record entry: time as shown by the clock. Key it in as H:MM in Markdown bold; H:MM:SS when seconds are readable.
**11:20:15**
